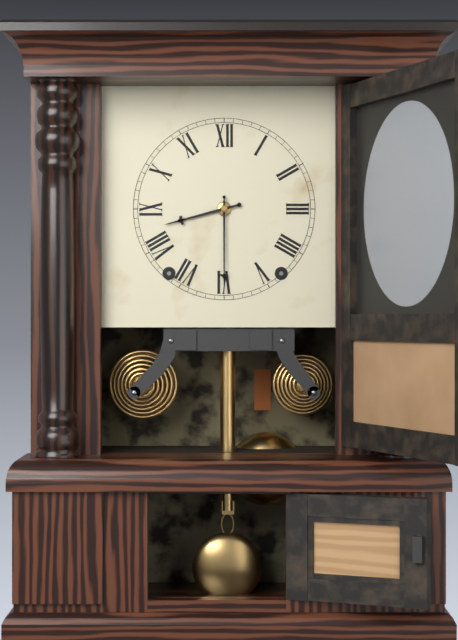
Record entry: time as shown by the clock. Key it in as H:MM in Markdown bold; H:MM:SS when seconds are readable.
**8:30**
